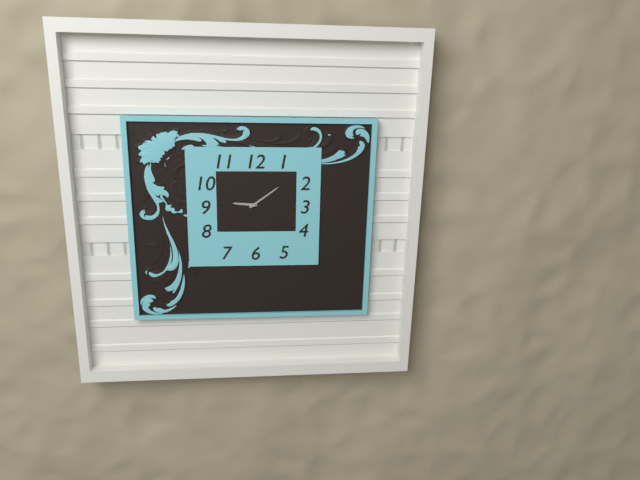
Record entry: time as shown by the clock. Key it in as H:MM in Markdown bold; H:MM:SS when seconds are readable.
**9:09**
